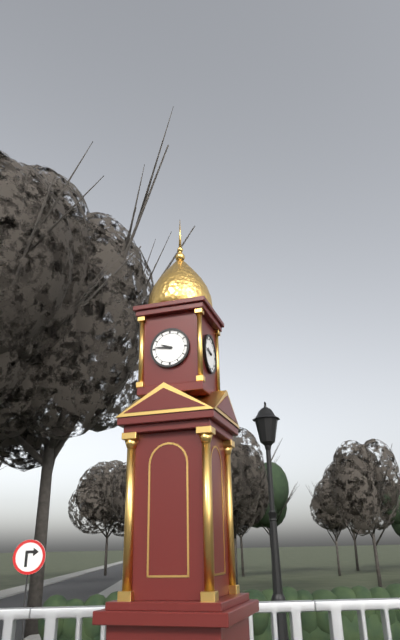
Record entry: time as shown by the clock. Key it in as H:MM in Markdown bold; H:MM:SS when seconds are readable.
**9:46**
